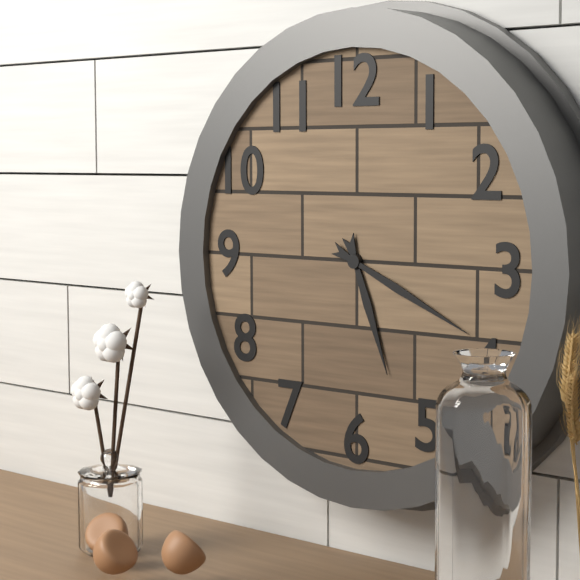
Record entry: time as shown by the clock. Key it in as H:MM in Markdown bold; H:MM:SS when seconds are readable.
**5:19**
